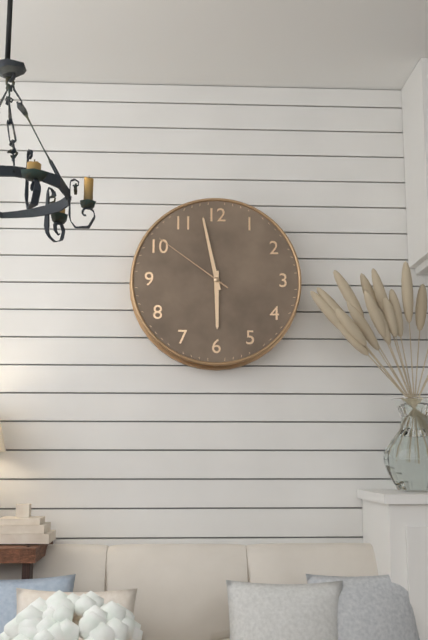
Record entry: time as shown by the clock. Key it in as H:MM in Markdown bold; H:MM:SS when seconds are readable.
**5:58:51**
